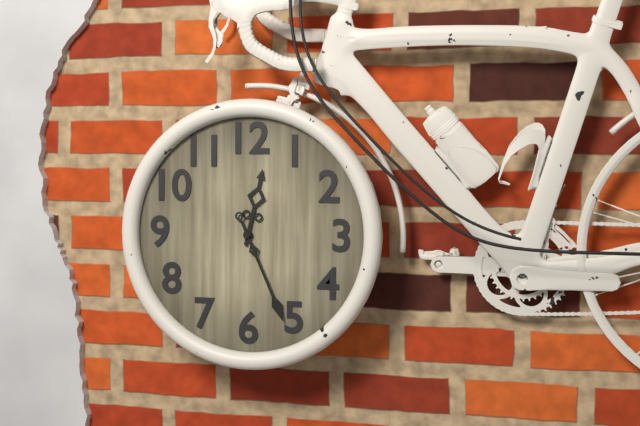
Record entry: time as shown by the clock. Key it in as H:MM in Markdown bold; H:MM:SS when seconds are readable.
**12:26**
